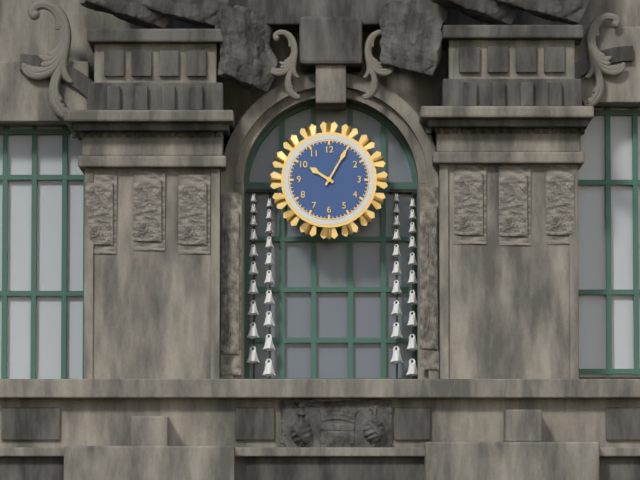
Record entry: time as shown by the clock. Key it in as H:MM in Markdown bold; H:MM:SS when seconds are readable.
**10:05**
